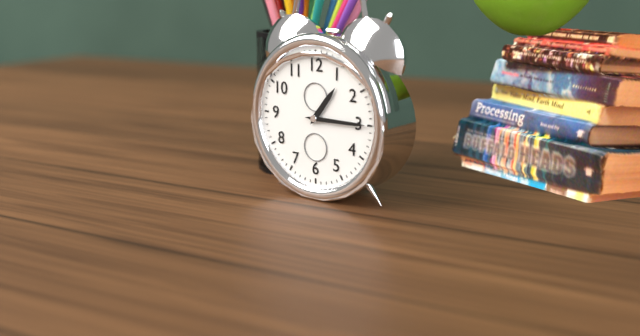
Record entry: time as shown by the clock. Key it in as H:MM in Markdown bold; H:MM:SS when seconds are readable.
**1:15**
